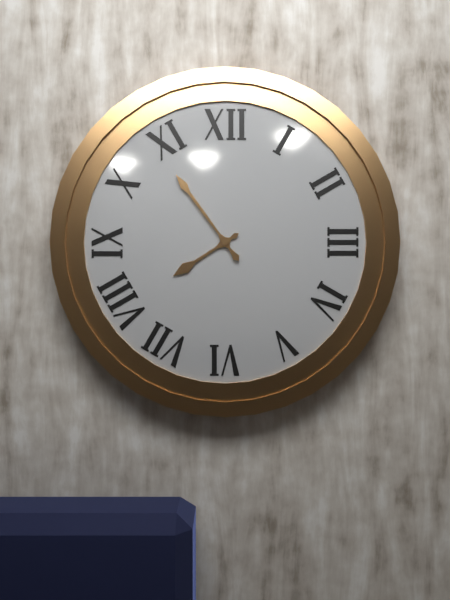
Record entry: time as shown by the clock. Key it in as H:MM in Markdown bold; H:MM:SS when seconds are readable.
**7:54**
